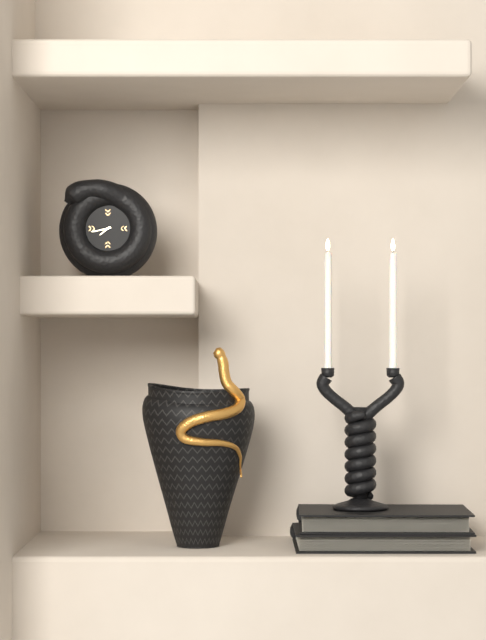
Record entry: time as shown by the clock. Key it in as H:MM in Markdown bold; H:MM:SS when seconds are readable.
**7:43**
